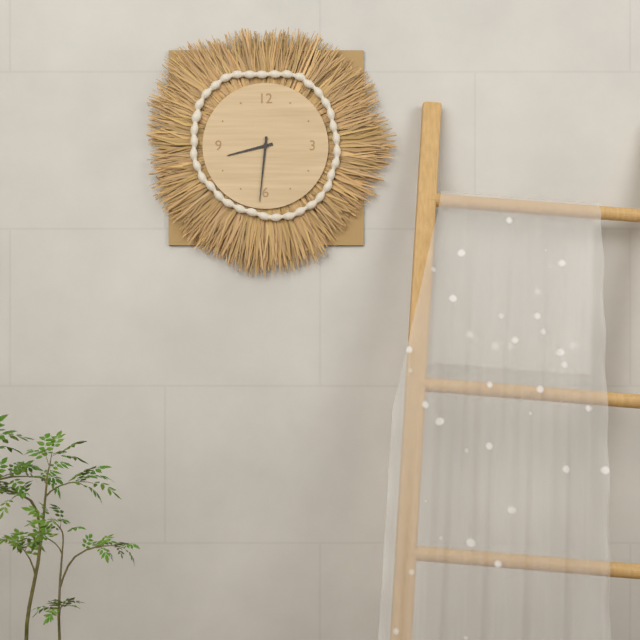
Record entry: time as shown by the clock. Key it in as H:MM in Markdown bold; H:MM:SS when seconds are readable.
**8:31**
